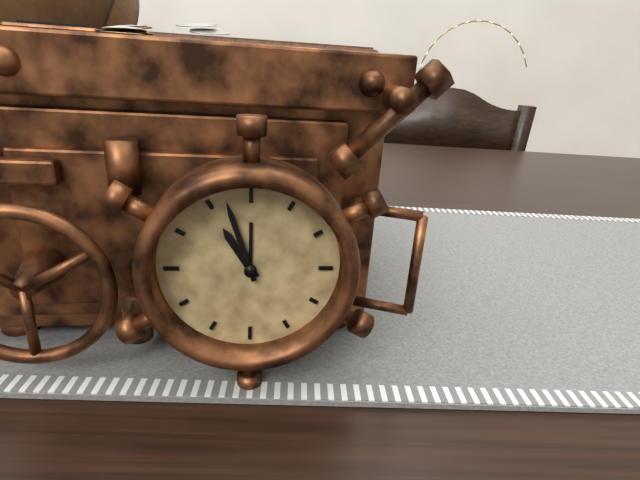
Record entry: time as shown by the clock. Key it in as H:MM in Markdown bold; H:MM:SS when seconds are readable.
**10:57**
